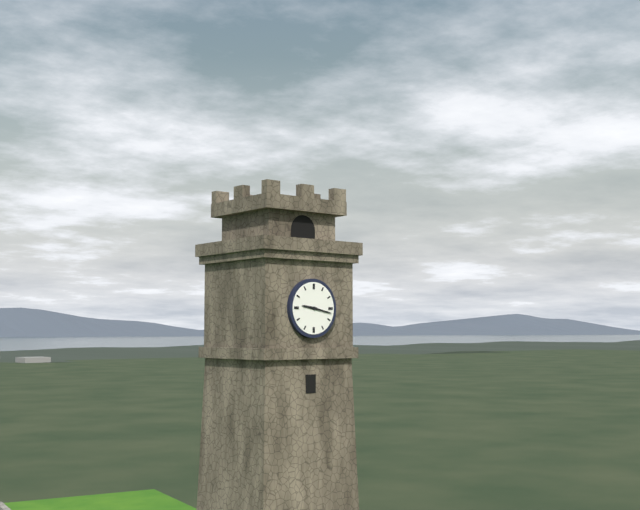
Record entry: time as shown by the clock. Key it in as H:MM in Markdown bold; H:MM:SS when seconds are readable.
**9:17**
